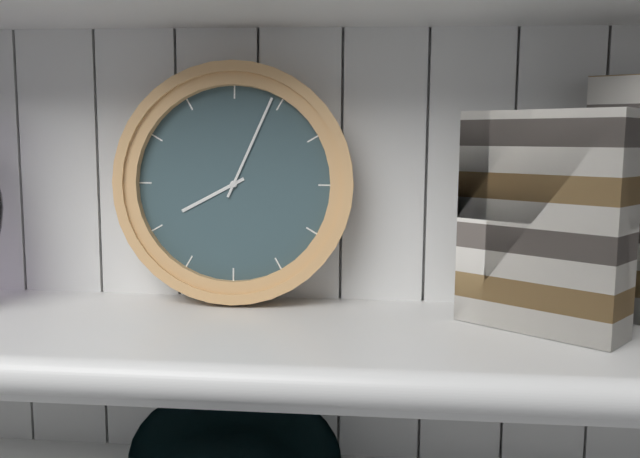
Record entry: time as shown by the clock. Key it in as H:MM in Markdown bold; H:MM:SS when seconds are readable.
**8:04**
